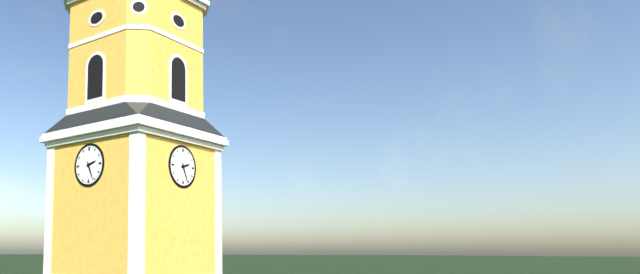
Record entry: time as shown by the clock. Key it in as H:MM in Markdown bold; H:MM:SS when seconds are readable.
**2:26**
